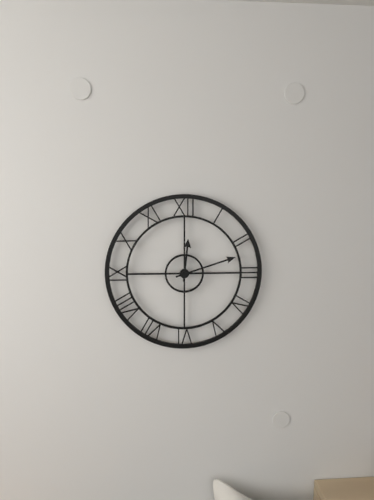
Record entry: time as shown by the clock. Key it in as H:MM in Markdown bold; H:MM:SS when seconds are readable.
**12:12**
